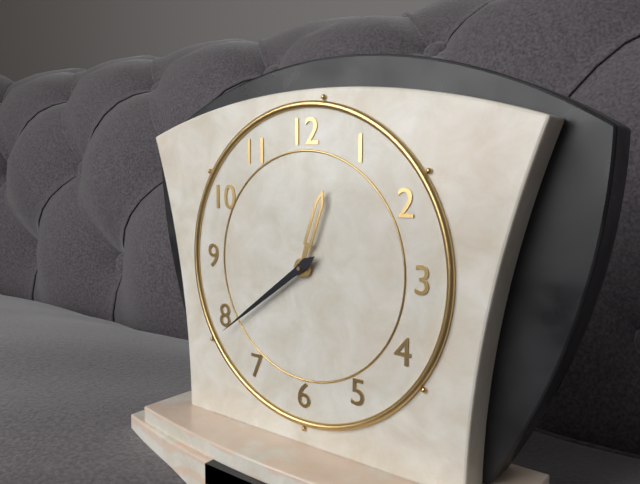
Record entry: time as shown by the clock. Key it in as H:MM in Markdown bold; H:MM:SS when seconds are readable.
**12:39**
